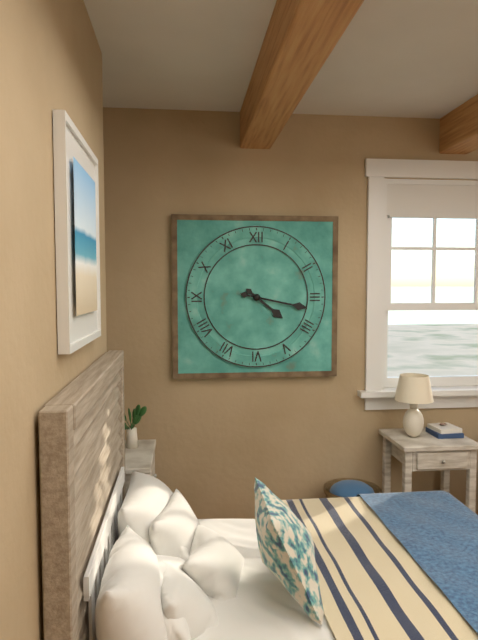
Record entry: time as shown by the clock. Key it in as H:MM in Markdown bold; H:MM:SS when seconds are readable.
**4:17**
